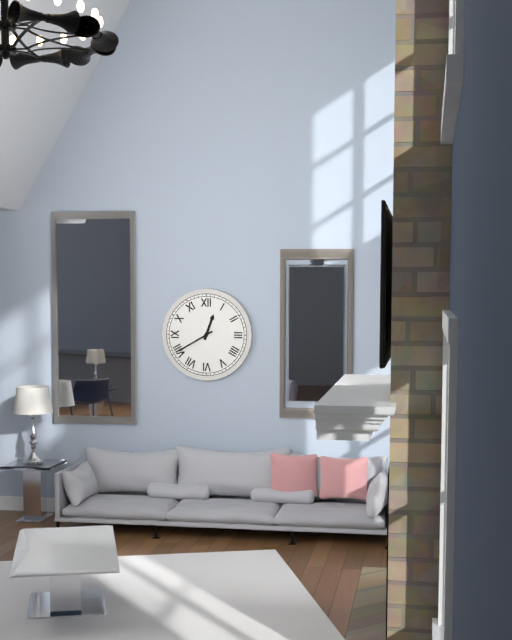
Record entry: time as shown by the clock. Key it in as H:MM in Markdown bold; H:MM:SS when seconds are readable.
**12:40**
